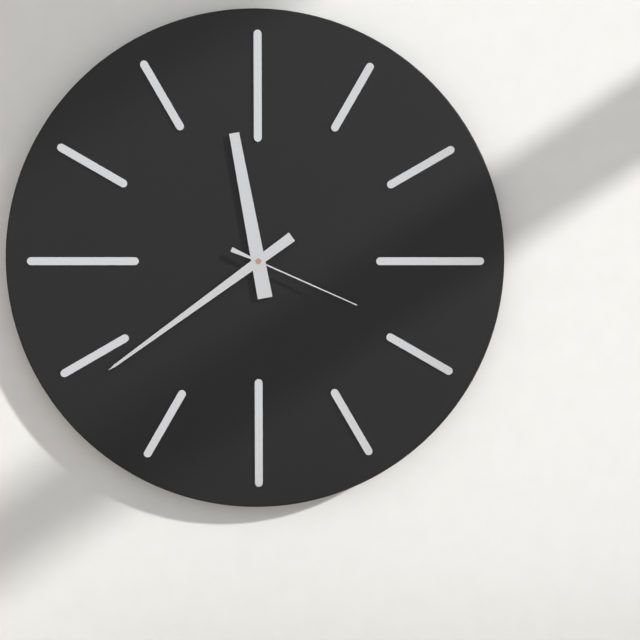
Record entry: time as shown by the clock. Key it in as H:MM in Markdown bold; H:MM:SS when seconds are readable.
**11:39:19**
